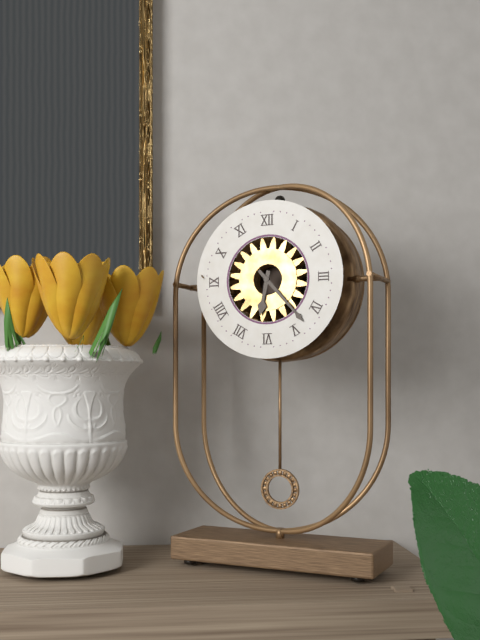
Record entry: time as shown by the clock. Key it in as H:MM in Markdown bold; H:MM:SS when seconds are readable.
**6:23**
